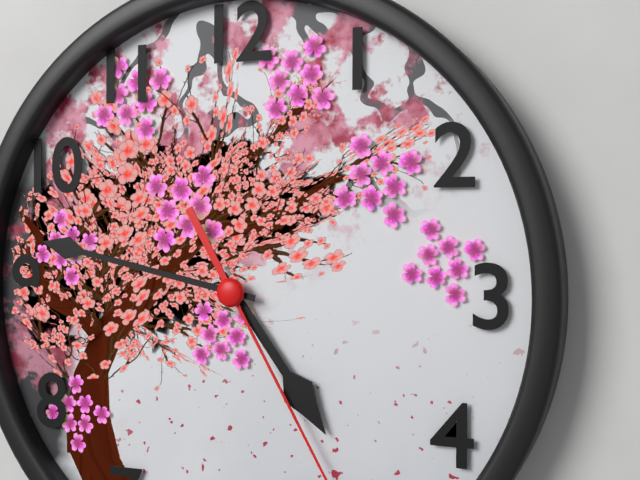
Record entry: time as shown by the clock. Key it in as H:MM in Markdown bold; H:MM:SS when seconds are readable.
**4:47**
